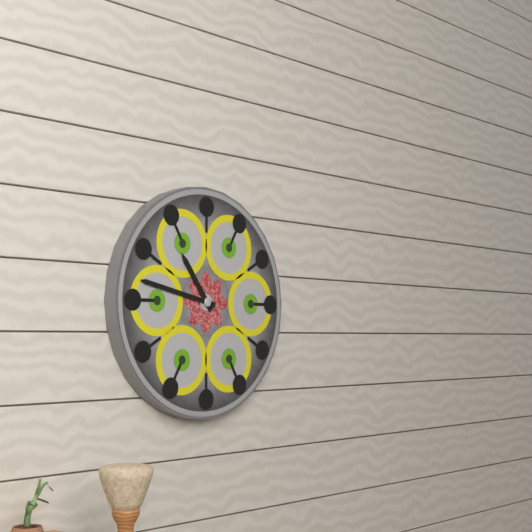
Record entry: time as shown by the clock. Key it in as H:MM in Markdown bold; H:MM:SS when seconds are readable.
**10:47**
